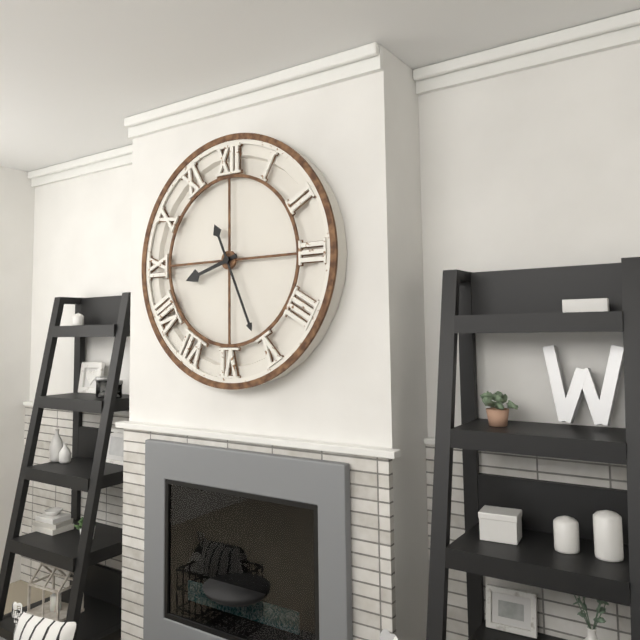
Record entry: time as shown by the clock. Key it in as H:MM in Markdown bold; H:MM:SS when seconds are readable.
**8:26**
